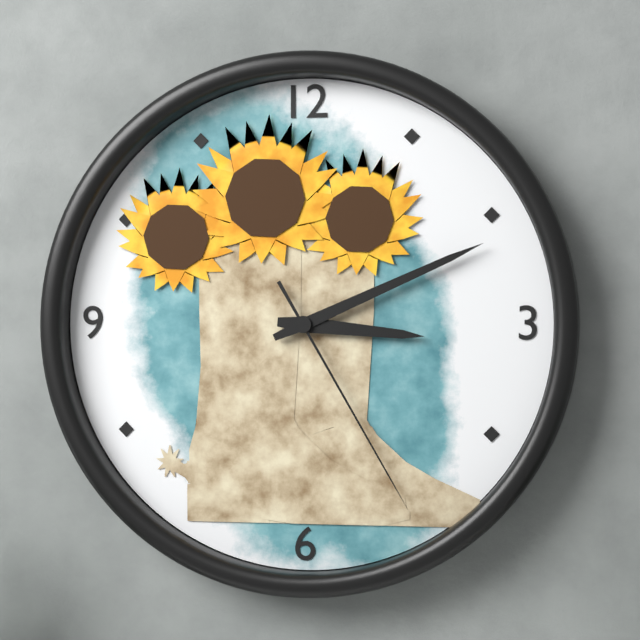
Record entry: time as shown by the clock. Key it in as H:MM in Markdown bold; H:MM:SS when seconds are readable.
**3:11:25**
